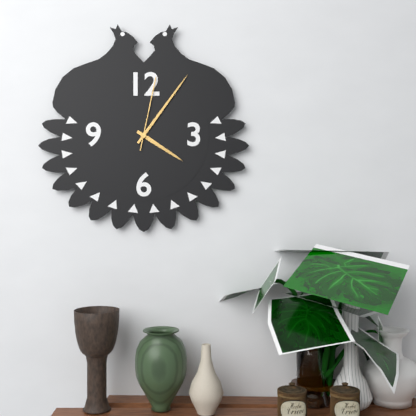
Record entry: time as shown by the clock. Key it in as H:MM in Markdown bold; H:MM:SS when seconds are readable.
**4:06:02**
